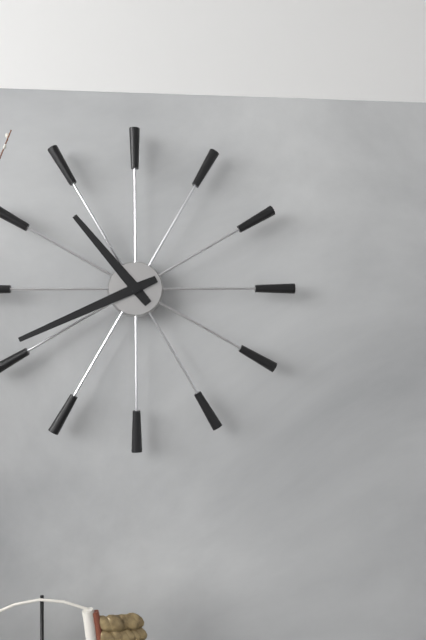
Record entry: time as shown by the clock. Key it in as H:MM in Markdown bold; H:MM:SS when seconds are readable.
**10:41**
